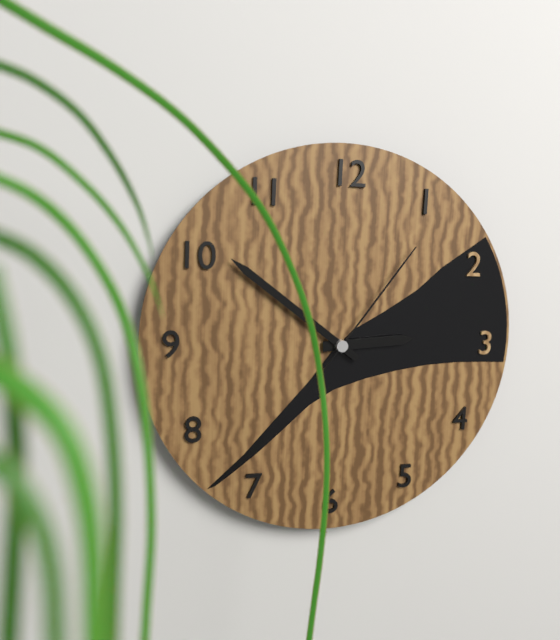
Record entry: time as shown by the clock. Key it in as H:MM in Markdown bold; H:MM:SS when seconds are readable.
**2:51:06**
